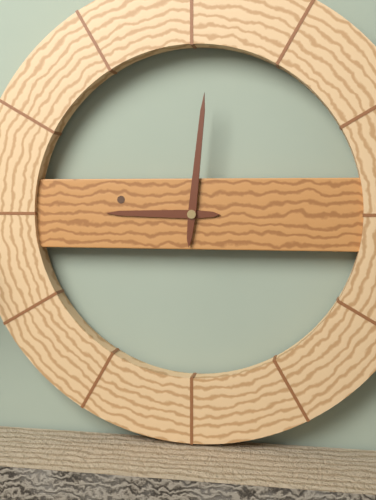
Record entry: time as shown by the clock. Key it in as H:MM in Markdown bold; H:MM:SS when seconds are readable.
**9:01**
